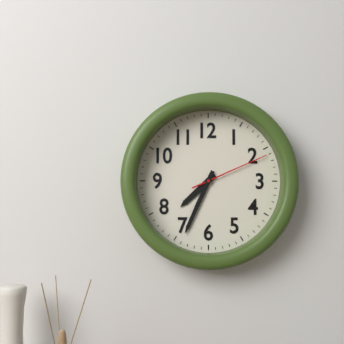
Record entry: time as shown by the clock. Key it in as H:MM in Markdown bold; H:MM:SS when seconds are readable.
**7:34:11**
